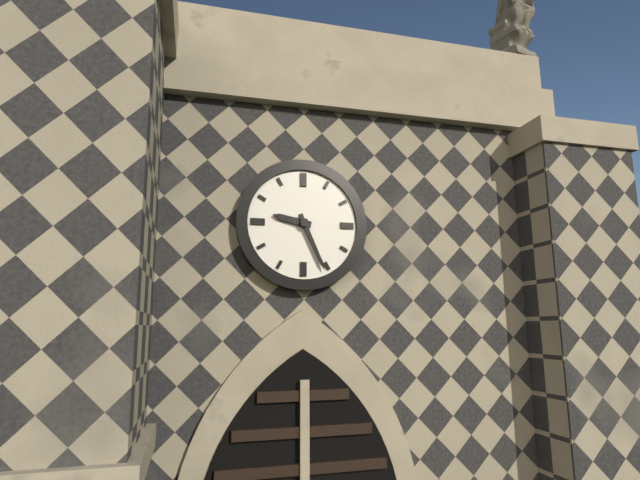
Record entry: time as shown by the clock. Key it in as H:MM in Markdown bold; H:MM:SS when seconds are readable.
**9:26**
